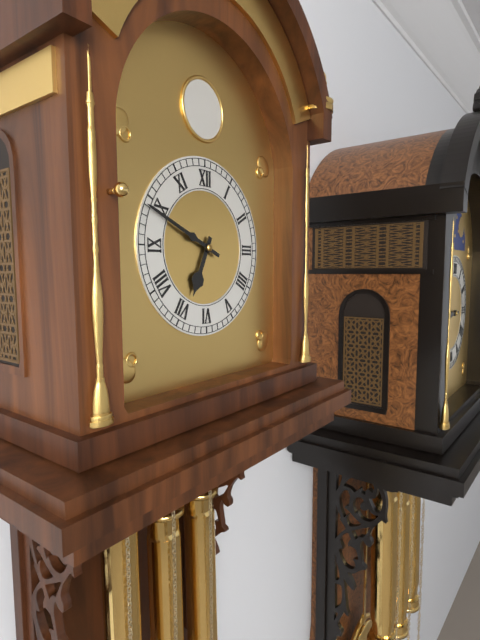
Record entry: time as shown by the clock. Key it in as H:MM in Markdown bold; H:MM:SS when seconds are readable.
**6:49**
